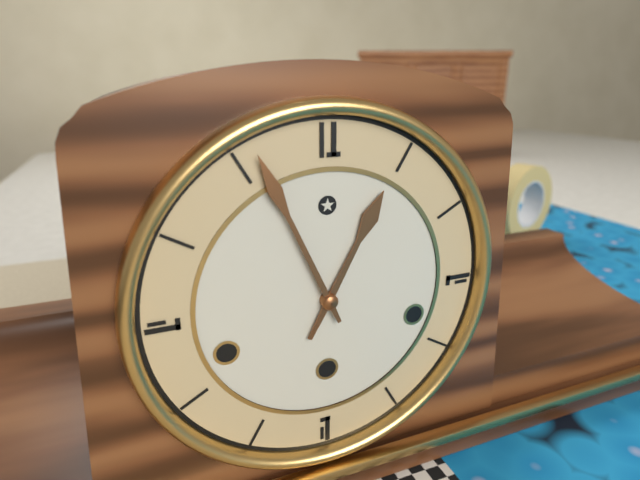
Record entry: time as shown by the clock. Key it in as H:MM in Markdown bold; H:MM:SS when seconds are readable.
**12:56**
